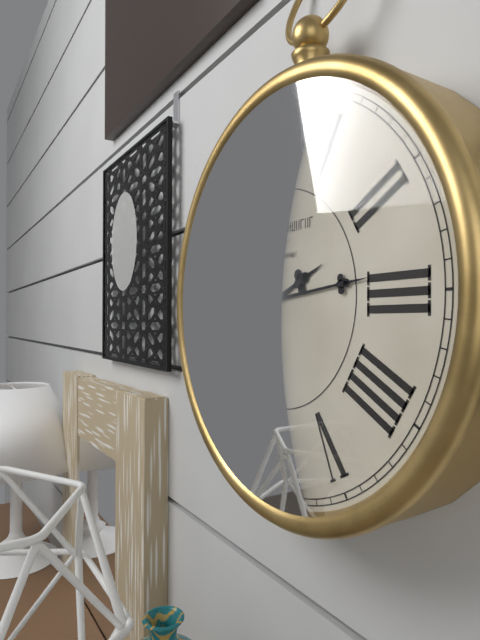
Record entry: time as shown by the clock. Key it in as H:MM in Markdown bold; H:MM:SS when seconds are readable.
**2:14**
